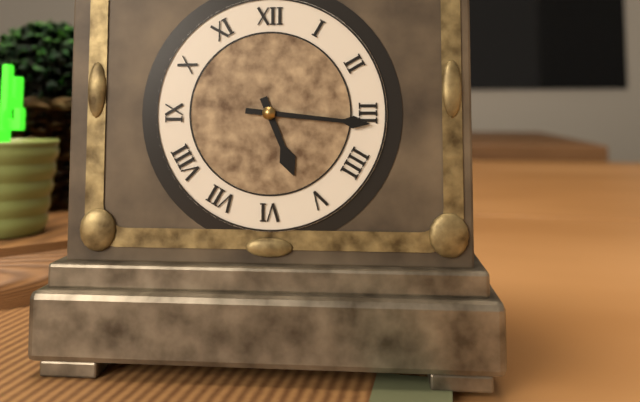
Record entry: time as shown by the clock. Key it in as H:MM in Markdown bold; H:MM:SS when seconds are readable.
**5:16**
